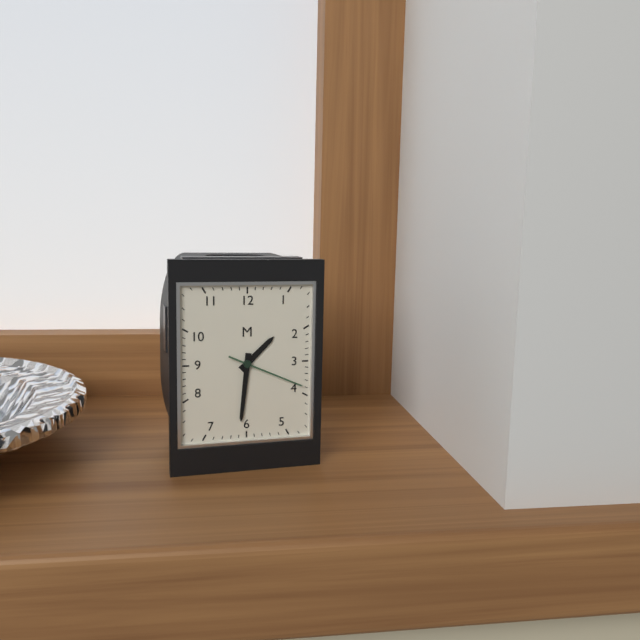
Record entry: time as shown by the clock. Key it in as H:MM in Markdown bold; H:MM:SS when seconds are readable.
**1:31:19**
